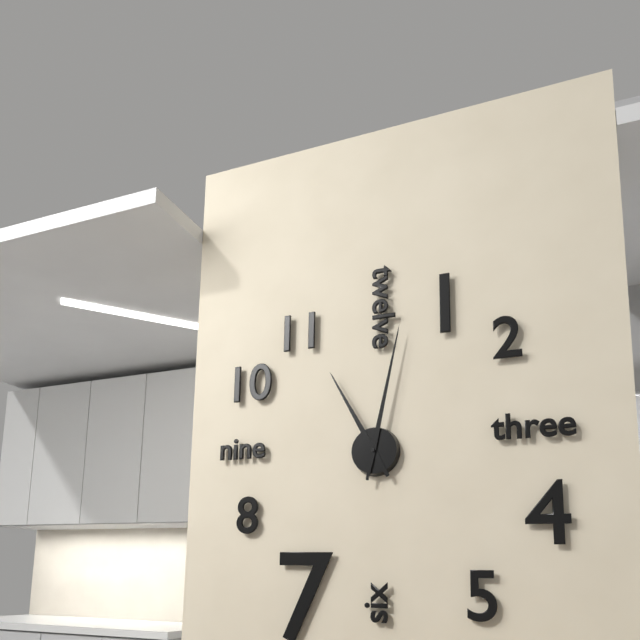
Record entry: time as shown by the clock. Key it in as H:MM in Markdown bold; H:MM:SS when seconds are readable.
**11:02**
